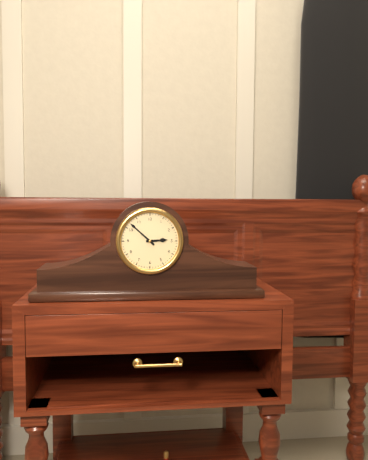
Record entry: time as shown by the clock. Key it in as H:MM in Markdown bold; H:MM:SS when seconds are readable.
**2:52**
